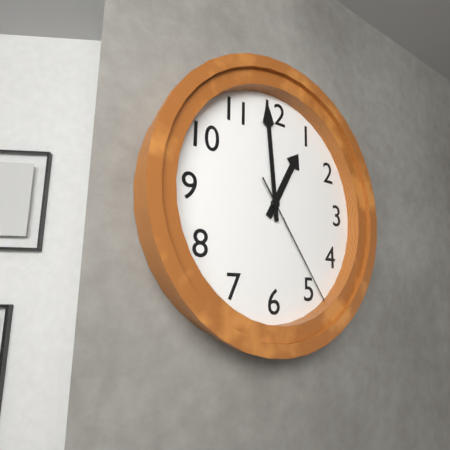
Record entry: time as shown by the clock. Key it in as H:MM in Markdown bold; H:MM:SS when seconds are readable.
**12:59:24**
